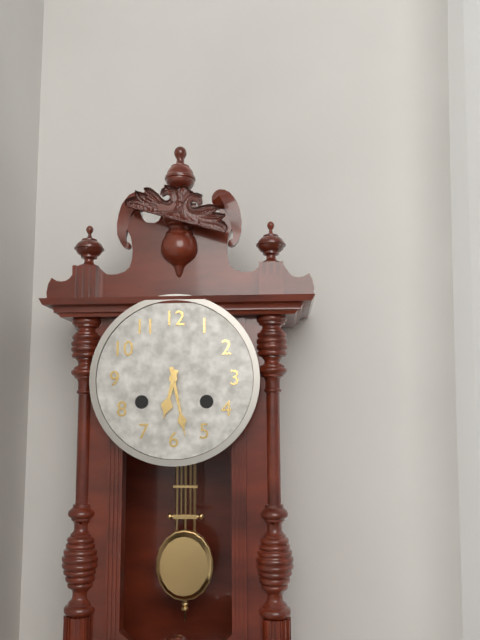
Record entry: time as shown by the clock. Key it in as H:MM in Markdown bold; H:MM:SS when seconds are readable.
**6:28**
